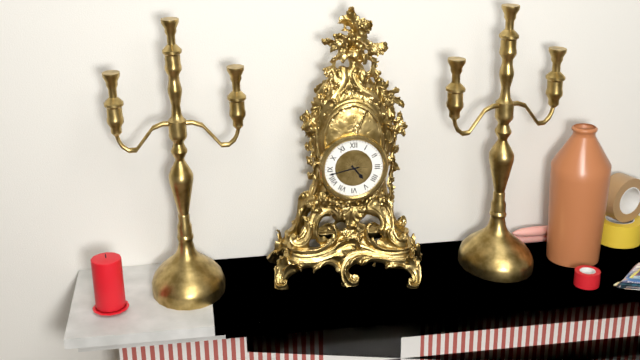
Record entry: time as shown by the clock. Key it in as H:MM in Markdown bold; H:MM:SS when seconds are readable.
**4:43**
